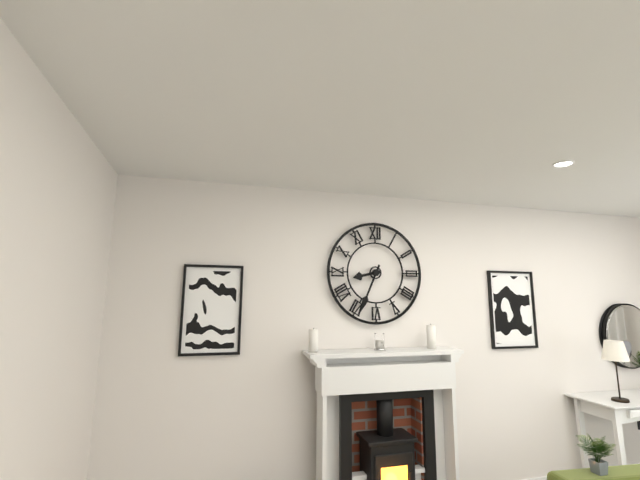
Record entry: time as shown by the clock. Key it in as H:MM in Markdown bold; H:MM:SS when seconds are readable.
**8:34**
